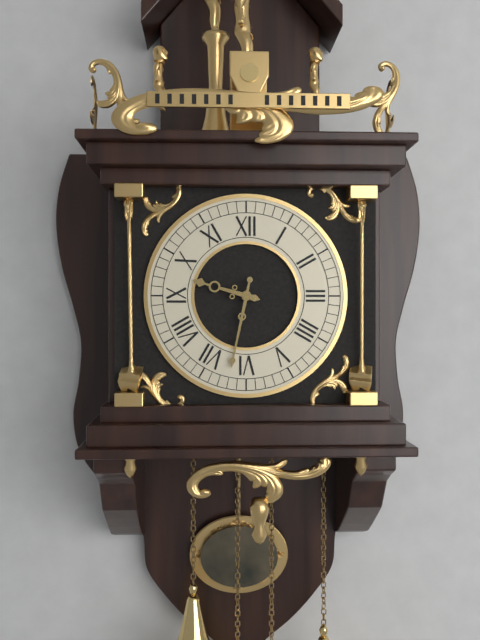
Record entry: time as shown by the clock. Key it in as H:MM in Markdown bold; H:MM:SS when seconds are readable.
**9:32**
